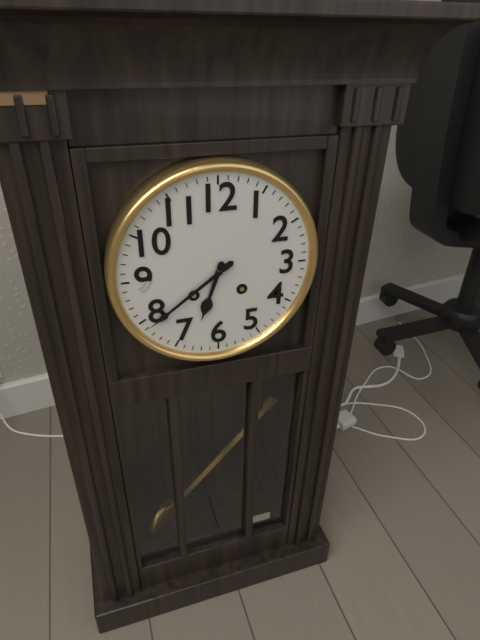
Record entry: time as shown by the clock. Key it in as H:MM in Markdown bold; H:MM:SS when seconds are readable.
**6:39**
